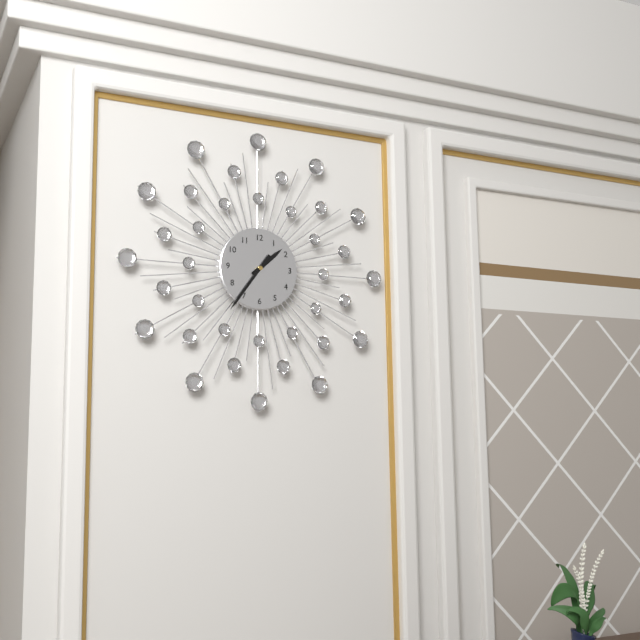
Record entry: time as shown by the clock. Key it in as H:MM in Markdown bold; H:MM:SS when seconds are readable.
**1:36**
